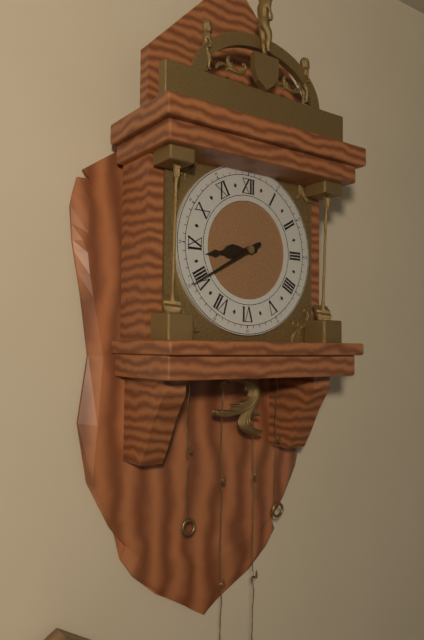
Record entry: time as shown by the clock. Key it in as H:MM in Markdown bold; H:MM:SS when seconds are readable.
**8:40**
